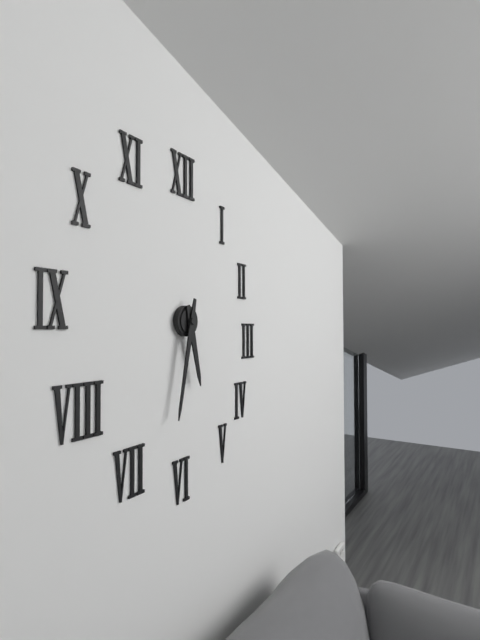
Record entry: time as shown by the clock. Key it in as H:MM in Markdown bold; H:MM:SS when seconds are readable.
**5:32**
